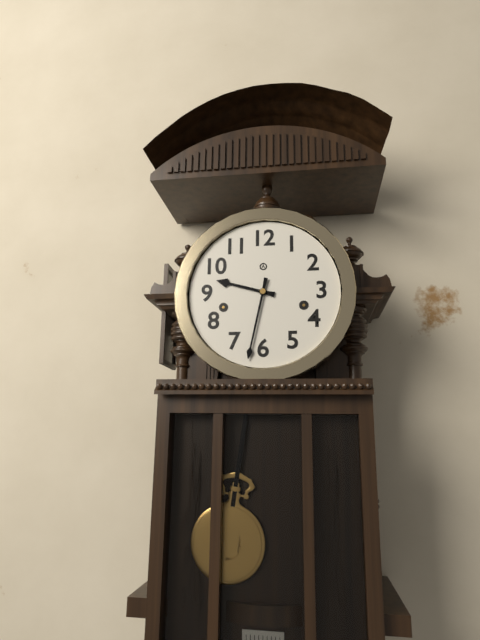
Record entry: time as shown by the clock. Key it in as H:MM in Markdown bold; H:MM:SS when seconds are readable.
**9:32**
